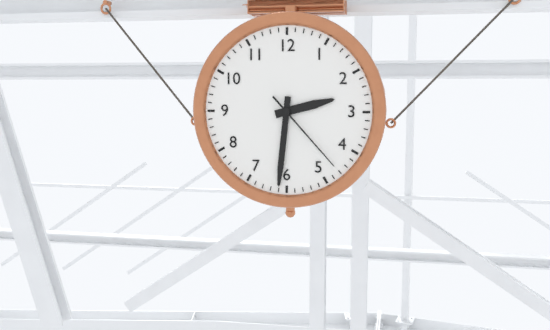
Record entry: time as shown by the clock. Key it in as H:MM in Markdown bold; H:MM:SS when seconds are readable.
**2:31:23**
